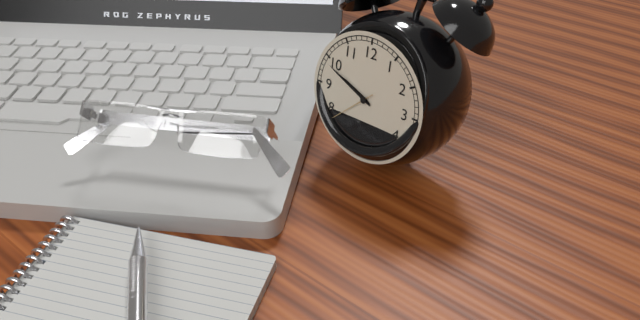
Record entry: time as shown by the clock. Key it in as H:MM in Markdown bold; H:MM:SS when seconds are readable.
**9:49:38**
